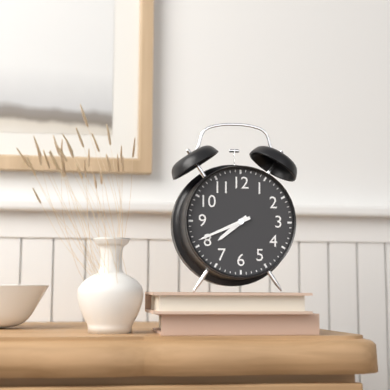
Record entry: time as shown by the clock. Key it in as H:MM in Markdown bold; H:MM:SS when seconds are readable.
**7:41**
